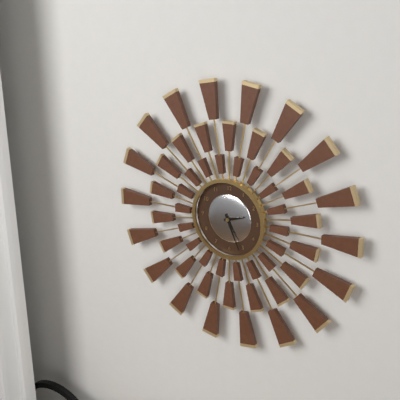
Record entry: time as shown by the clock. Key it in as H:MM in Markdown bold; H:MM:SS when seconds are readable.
**2:26**
